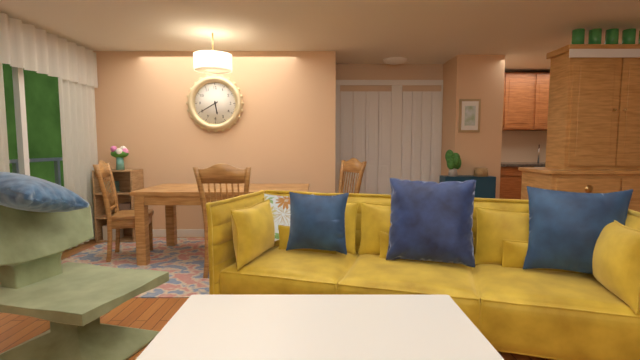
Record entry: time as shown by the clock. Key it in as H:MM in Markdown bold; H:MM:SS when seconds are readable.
**5:40**
